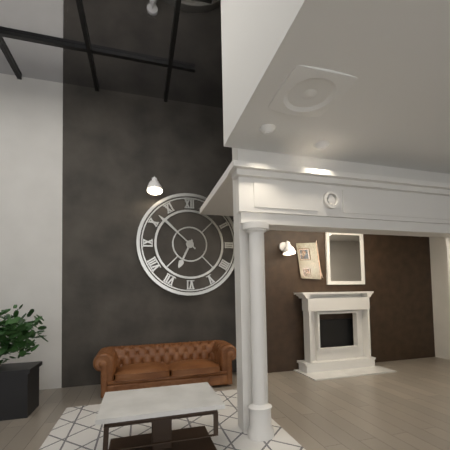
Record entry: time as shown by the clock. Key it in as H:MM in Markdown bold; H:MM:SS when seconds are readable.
**6:52**
